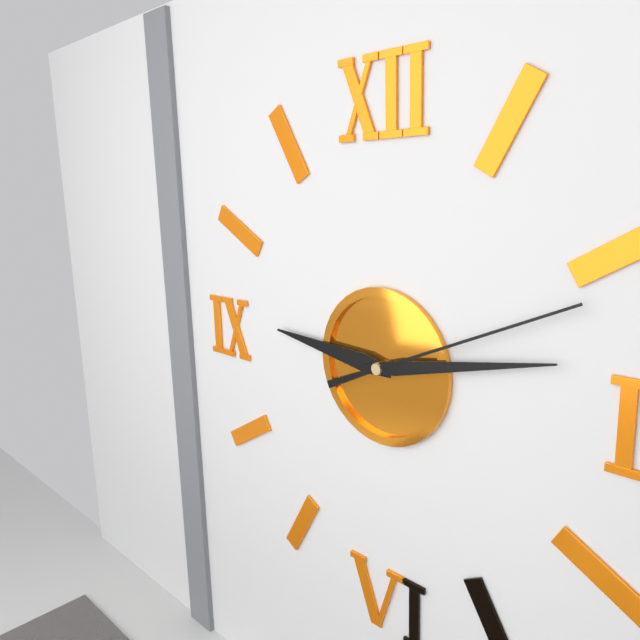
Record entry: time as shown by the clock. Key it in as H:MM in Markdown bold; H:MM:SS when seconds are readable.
**9:13:11**
